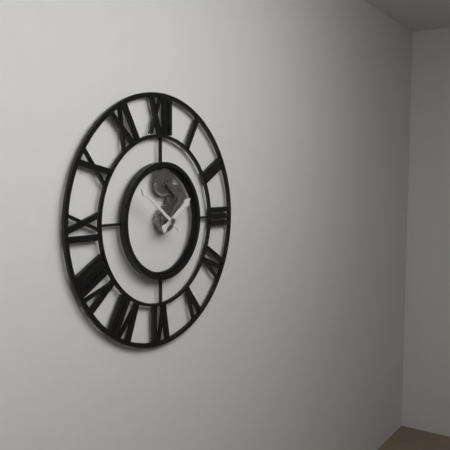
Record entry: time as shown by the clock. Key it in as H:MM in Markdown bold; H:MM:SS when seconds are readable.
**1:51**
